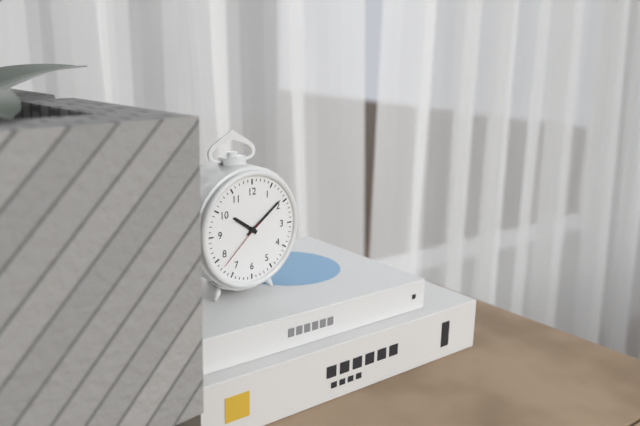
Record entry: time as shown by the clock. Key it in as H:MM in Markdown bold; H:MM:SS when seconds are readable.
**10:09:38**
